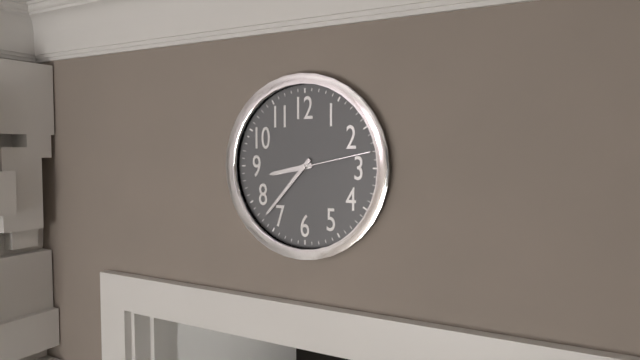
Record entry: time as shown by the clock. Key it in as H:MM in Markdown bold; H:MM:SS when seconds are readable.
**8:37:13**
